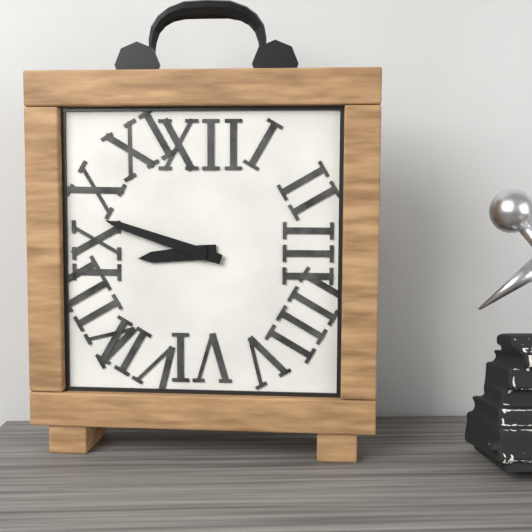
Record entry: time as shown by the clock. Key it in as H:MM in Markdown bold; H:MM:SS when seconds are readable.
**8:48**
